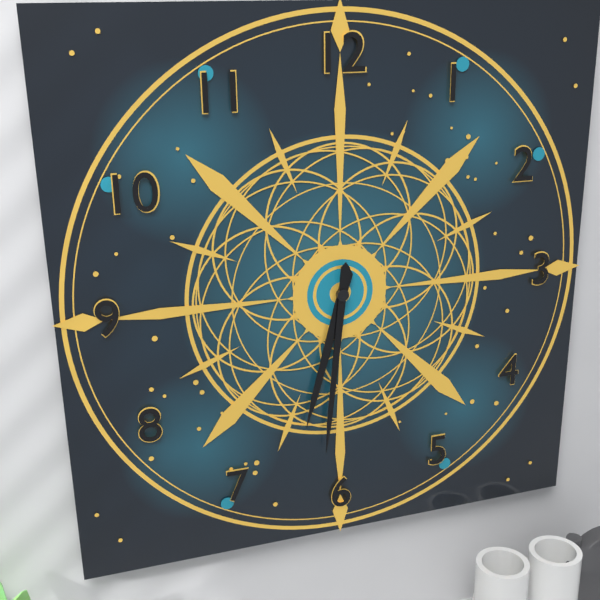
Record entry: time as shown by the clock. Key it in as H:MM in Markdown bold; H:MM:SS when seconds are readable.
**6:31**
